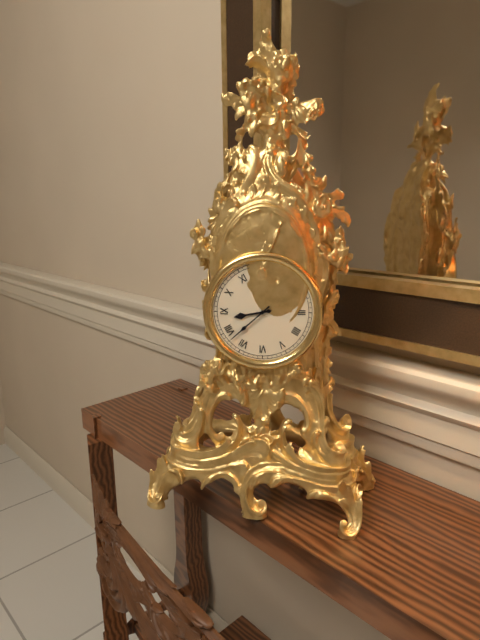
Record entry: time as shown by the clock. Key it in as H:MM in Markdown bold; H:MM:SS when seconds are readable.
**8:38**
